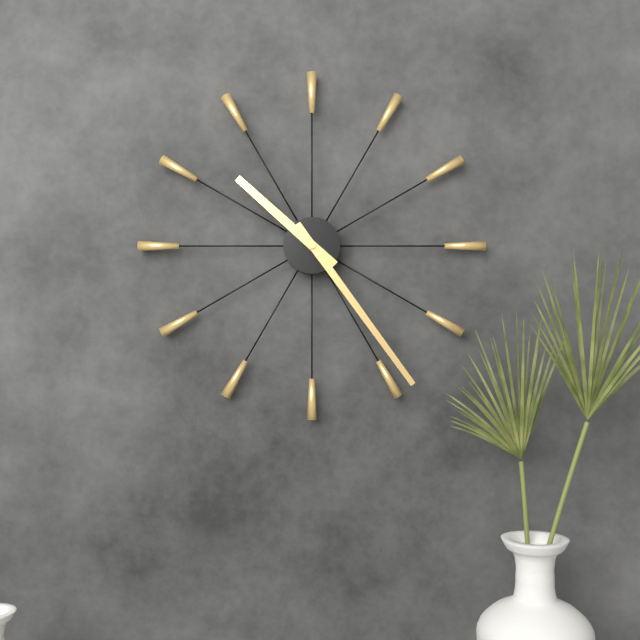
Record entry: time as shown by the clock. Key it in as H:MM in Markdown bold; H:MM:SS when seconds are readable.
**10:24**
